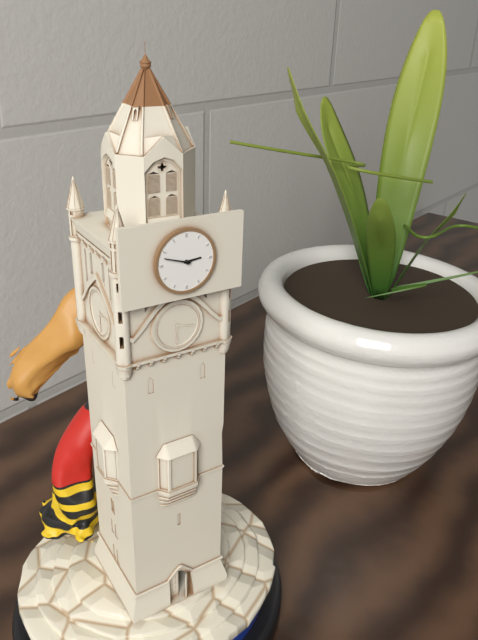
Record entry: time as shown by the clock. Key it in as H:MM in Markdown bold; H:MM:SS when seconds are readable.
**2:48**
